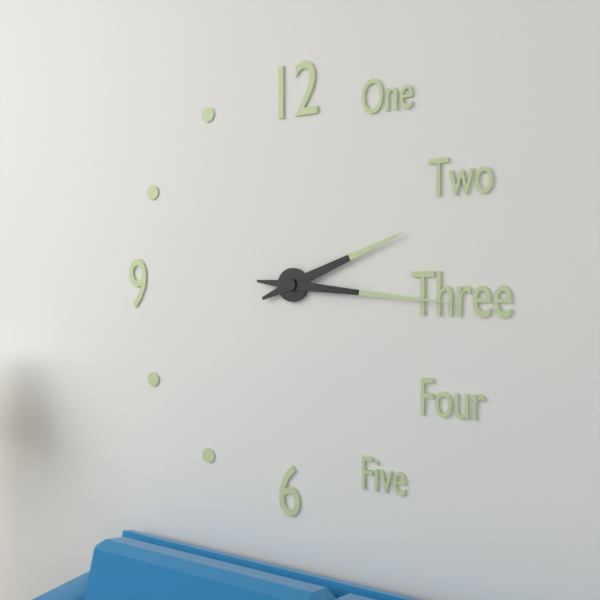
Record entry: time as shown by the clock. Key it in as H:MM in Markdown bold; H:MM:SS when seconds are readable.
**2:16**
